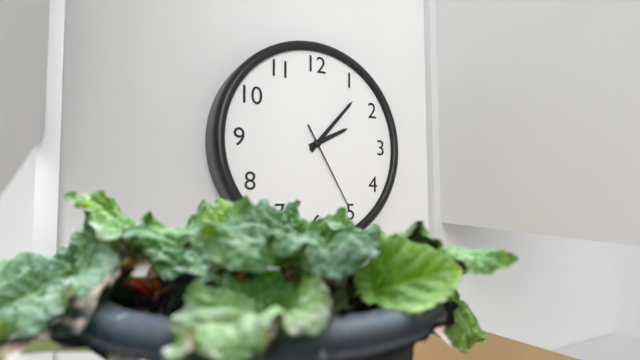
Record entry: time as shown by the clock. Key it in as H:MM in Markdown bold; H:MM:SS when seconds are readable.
**2:07:25**
